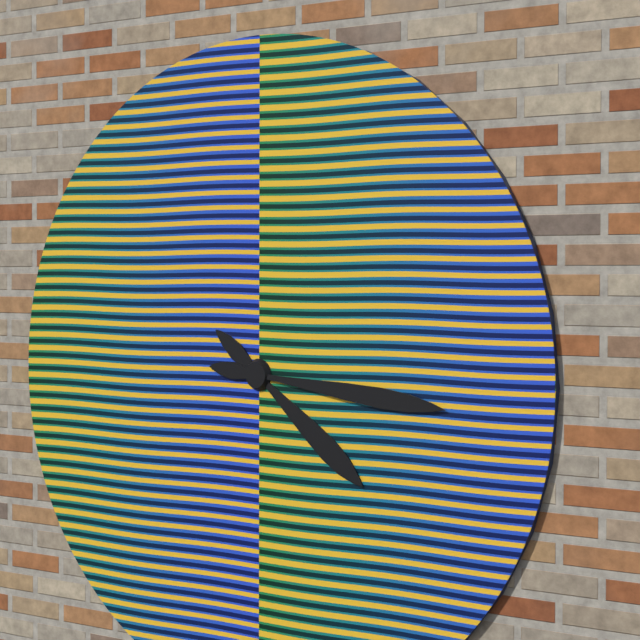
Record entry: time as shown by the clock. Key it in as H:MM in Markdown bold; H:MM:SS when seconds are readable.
**4:16**
